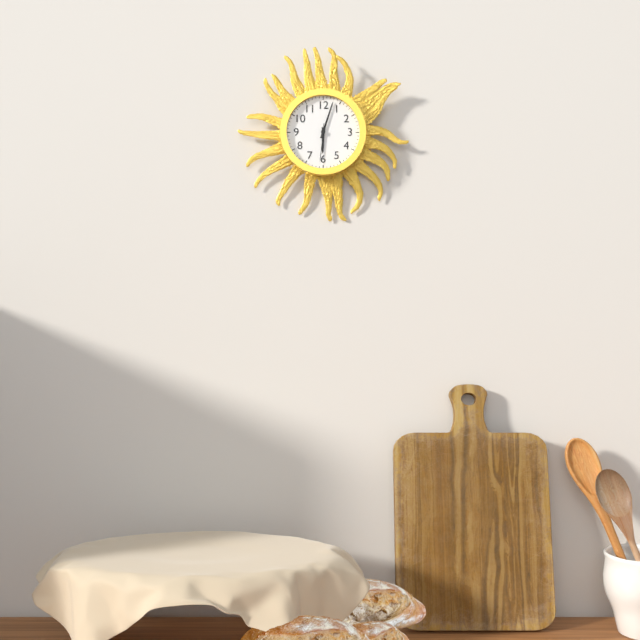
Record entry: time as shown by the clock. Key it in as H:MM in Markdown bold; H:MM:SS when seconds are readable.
**6:03**
